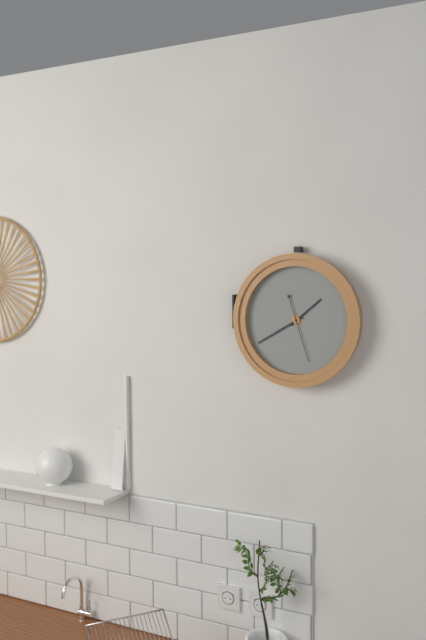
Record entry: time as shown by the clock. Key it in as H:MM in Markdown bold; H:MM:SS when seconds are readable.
**1:40:27**
